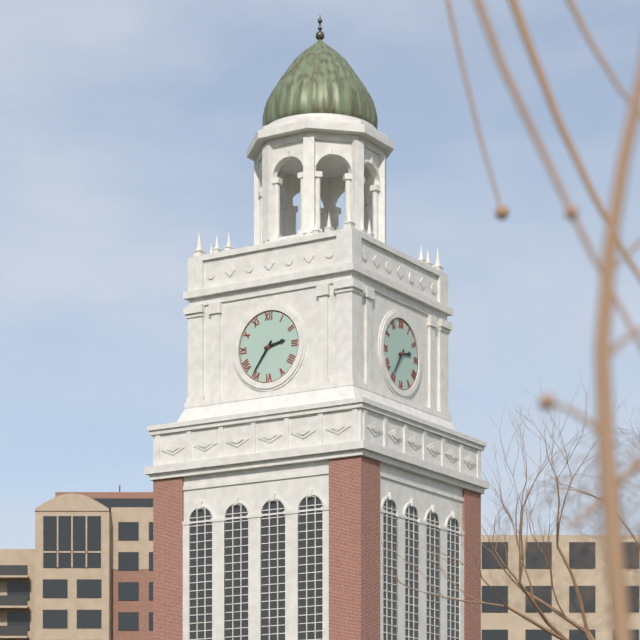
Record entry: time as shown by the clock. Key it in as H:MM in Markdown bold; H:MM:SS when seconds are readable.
**2:36**
